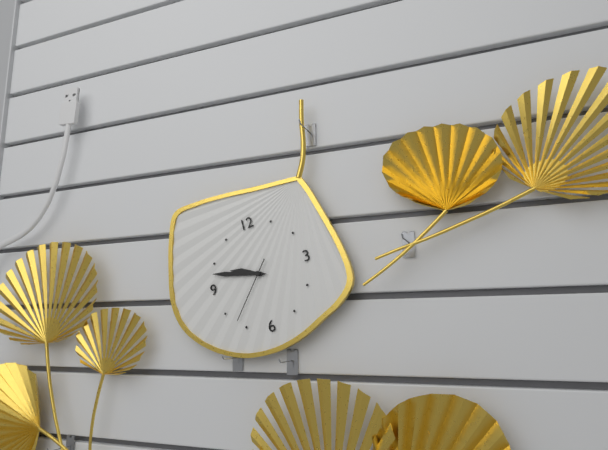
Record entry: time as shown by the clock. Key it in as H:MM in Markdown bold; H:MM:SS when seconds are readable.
**9:48:37**
